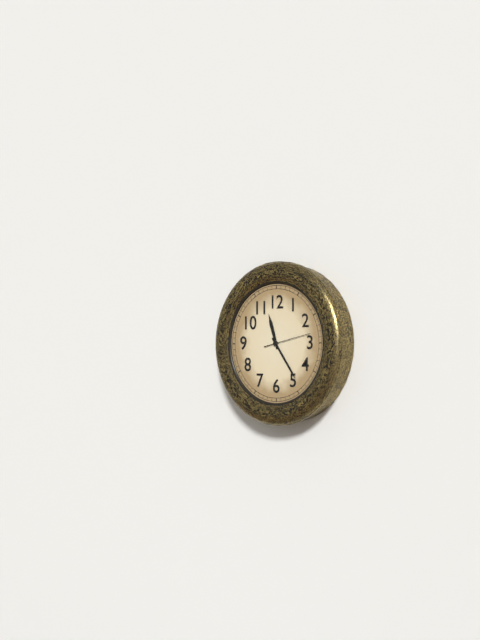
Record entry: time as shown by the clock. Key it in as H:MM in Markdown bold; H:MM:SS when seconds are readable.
**11:24**
